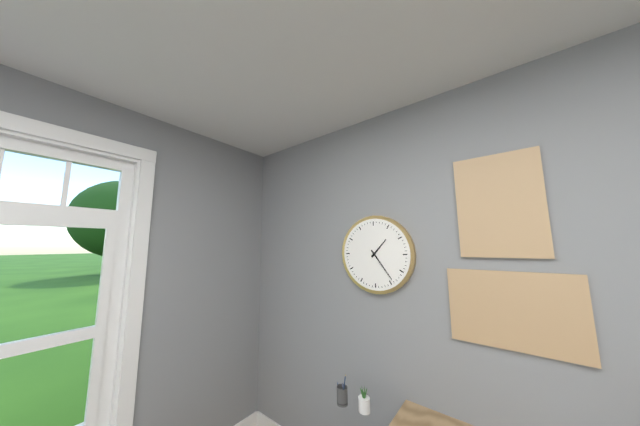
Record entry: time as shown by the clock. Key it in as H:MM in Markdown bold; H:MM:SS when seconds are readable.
**1:24**
